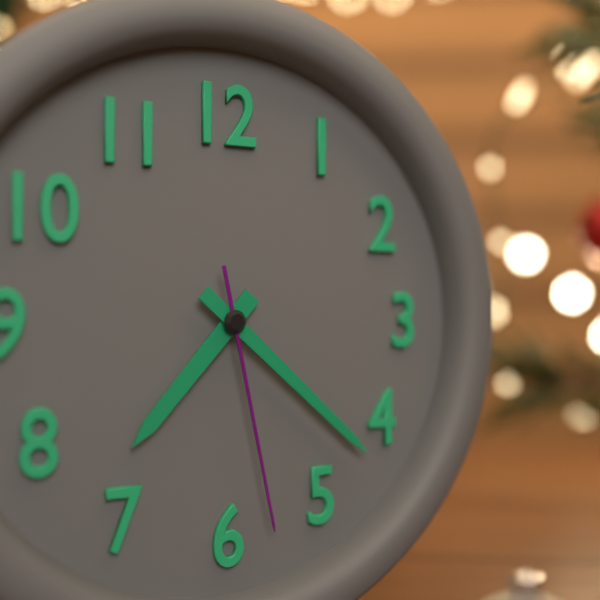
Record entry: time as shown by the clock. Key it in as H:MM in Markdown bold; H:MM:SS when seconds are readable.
**7:22:28**
